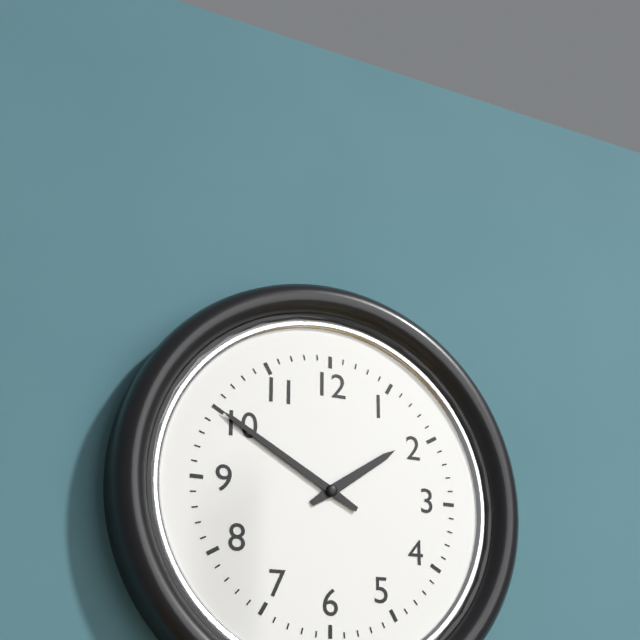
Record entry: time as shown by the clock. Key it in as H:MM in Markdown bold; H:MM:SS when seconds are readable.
**1:50**
